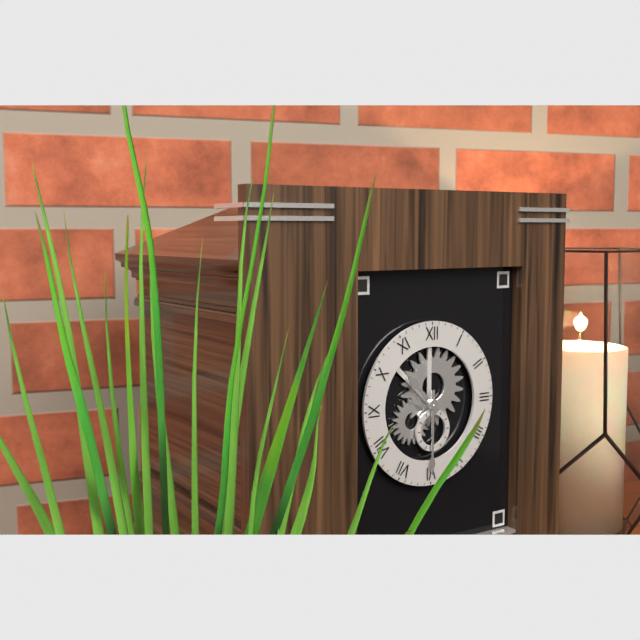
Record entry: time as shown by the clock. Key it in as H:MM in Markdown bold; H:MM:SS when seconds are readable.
**10:30**
